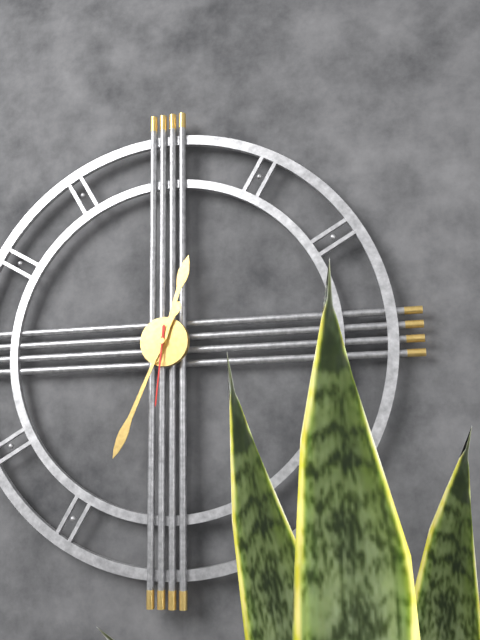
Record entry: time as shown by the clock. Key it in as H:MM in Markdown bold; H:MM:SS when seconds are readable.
**12:34:31**
